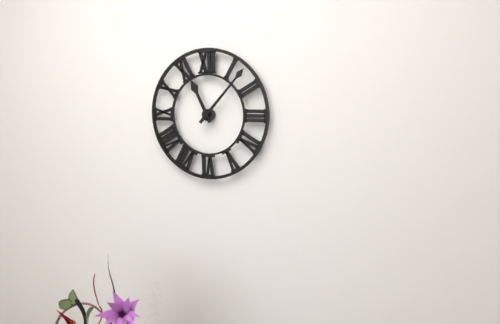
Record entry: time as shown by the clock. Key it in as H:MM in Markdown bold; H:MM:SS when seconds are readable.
**11:07**
